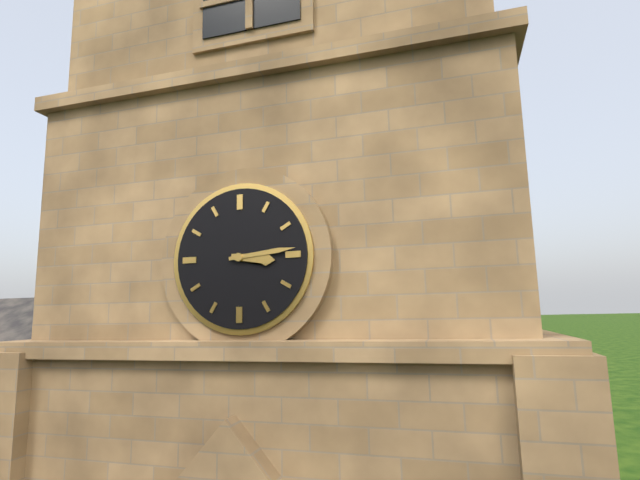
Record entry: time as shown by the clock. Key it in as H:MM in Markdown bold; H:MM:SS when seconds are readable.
**3:14**
